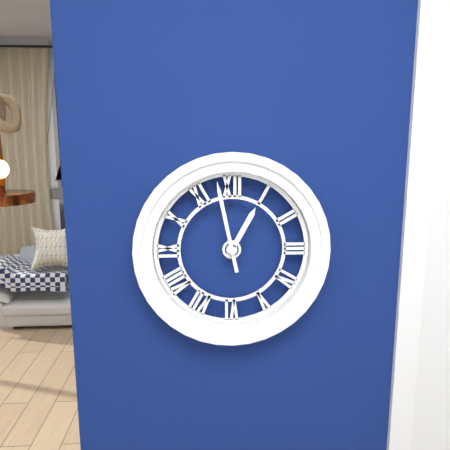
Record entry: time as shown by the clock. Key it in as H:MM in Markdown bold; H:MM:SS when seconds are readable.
**12:58**
